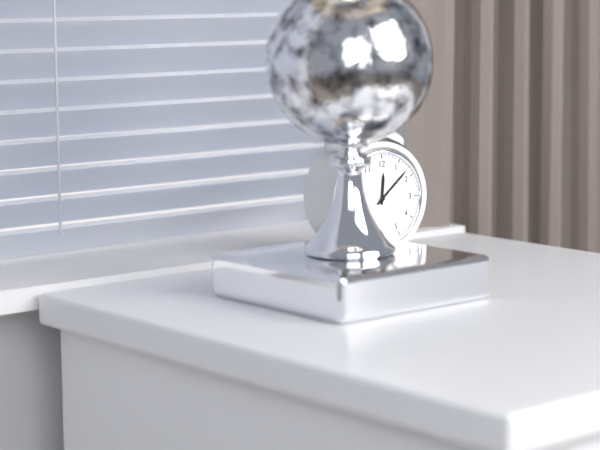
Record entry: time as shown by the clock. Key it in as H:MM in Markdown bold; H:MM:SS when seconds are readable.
**12:08**
